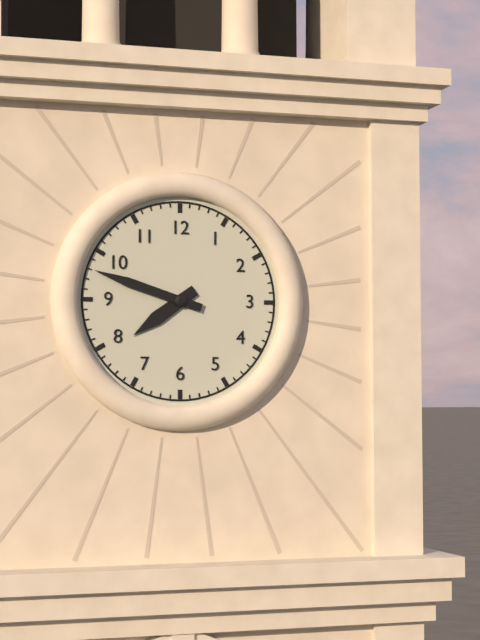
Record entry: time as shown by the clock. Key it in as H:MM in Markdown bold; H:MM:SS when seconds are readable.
**7:48**
